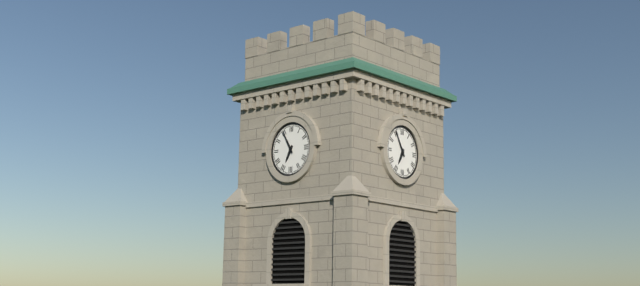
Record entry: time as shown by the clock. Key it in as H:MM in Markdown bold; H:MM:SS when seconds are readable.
**6:55**
